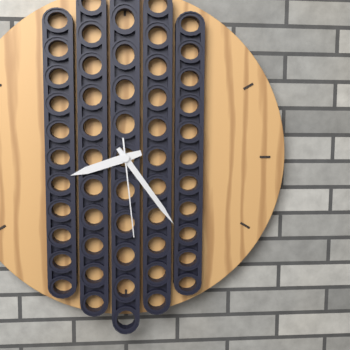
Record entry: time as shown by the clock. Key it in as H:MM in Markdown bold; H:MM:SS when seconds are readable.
**8:24:29**
